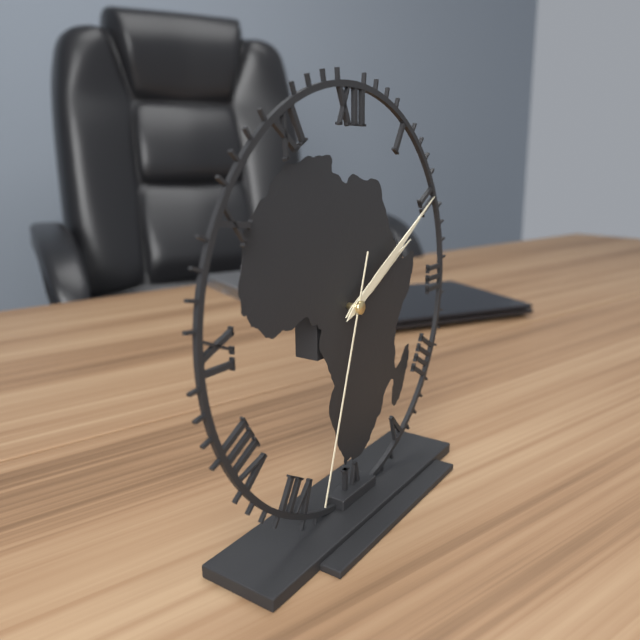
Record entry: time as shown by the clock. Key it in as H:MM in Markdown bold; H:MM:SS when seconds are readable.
**2:10:33**
